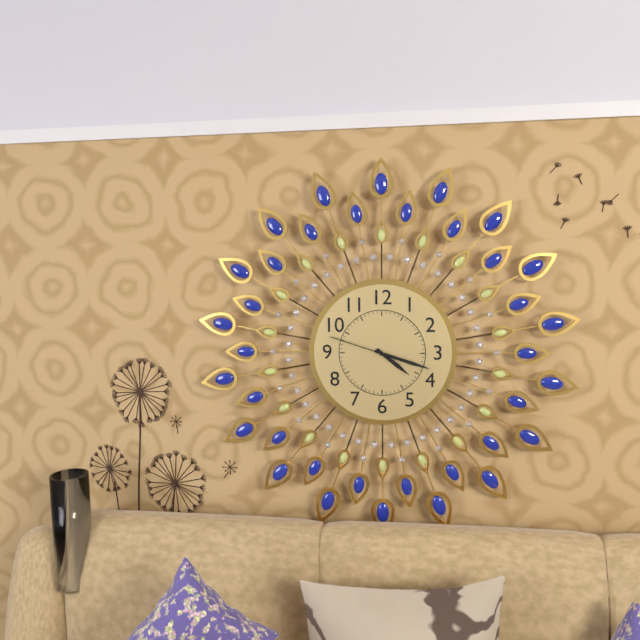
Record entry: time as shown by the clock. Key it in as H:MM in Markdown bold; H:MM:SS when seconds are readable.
**4:18:48**
